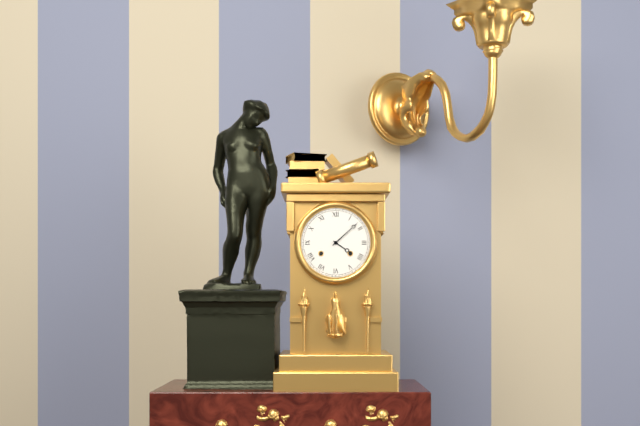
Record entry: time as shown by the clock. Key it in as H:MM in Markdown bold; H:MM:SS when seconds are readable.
**4:08**
